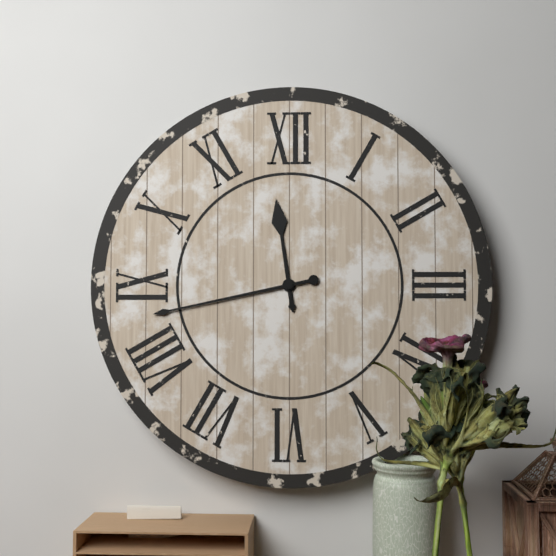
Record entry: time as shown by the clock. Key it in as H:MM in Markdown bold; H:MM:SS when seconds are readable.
**11:43**
